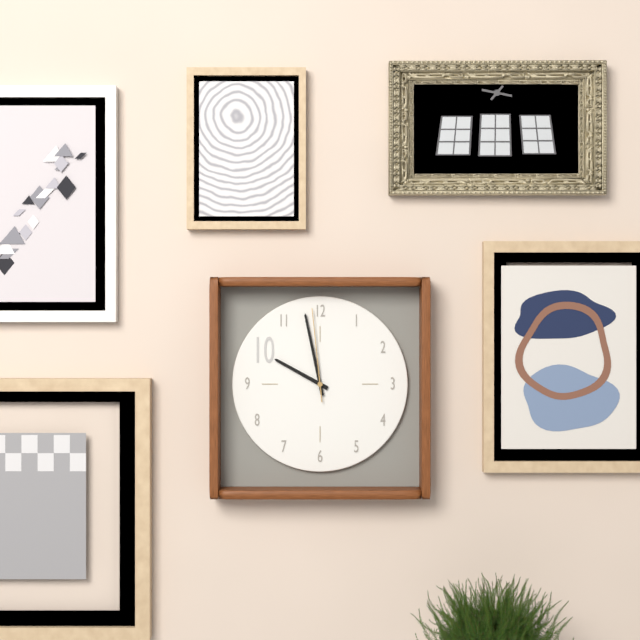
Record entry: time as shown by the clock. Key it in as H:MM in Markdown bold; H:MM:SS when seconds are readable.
**9:58:59**
